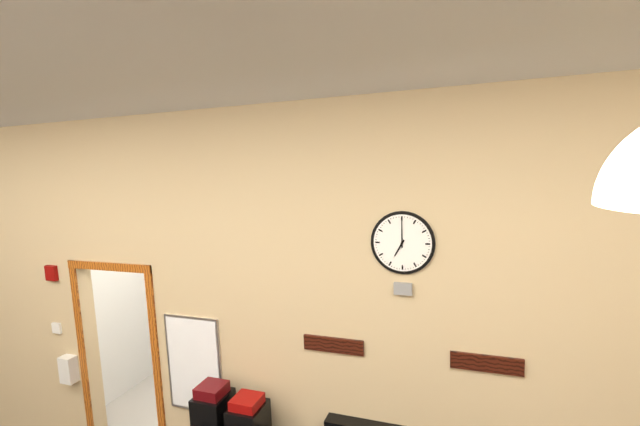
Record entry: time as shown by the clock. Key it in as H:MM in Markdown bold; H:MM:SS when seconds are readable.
**7:00**
